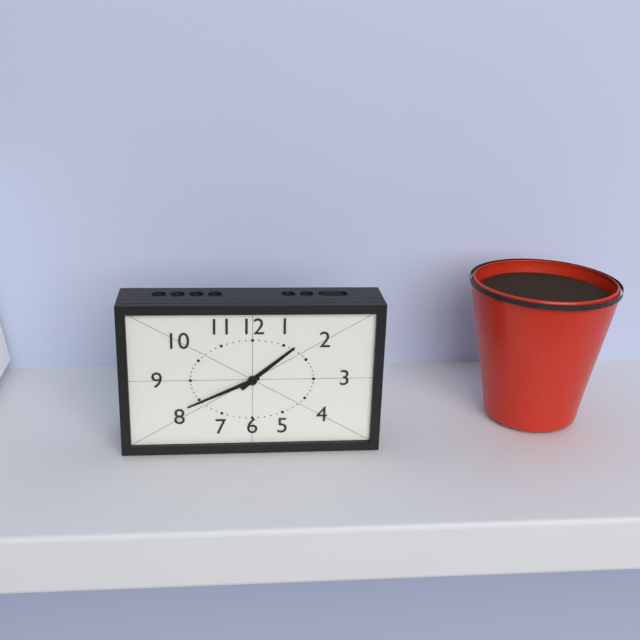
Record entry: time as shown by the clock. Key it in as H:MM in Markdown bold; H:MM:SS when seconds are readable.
**1:41**
